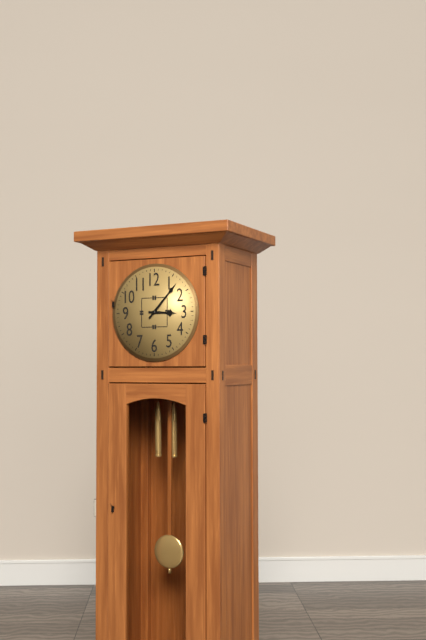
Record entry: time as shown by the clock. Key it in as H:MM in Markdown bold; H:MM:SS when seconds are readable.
**3:07**
